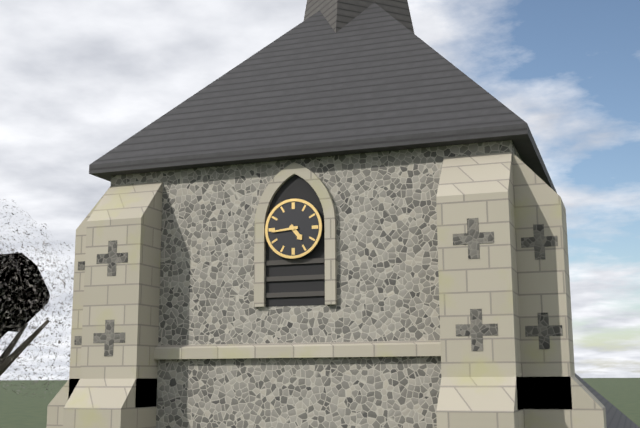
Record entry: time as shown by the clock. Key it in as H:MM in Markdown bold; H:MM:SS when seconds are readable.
**4:44**
